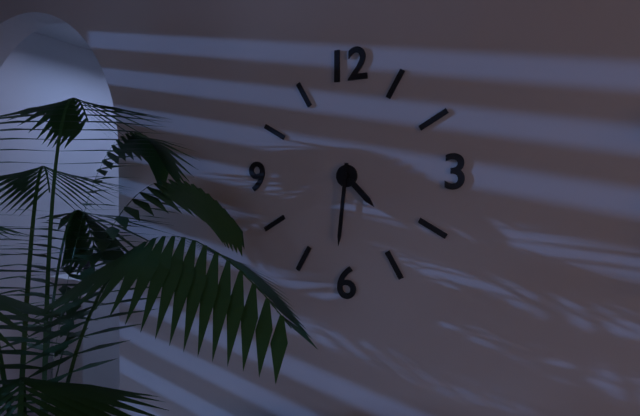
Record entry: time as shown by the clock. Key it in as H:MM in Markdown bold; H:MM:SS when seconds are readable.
**4:31**
